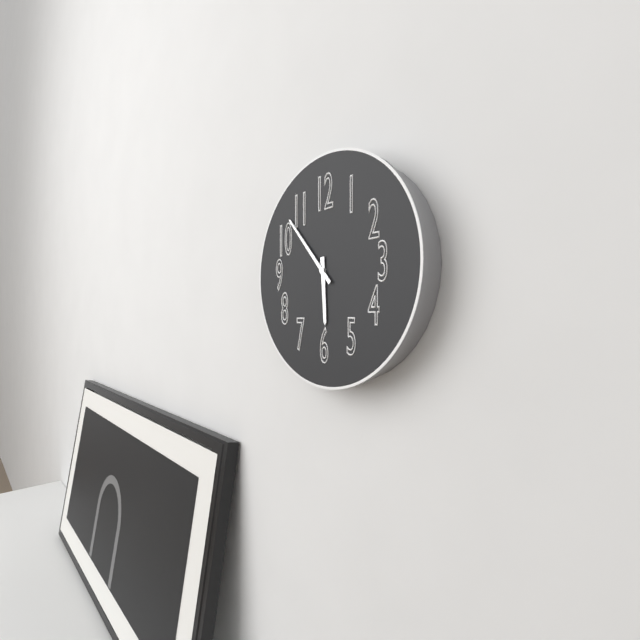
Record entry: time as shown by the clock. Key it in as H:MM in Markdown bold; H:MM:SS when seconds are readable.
**5:53**
